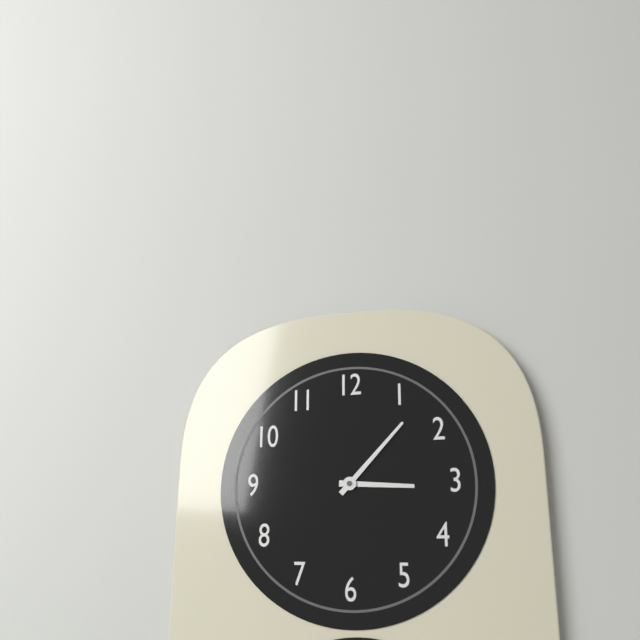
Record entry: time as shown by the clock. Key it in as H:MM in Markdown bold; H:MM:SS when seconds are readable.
**3:07**
